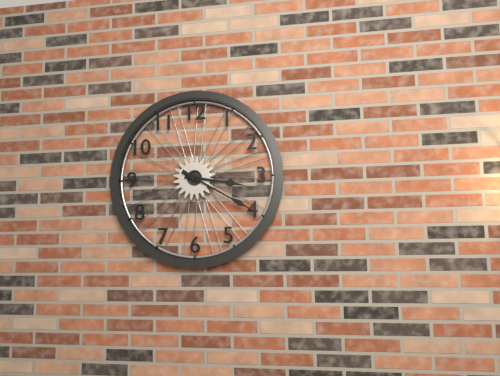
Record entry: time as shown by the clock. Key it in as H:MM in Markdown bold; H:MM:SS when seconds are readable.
**3:20**
